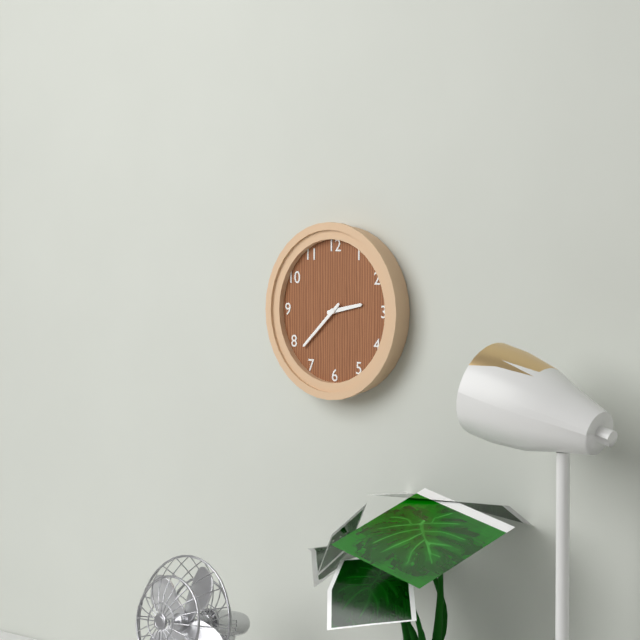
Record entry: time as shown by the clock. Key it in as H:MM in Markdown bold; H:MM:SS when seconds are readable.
**2:38**
